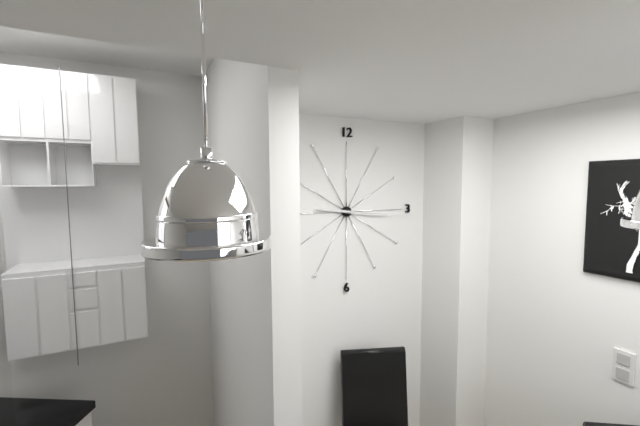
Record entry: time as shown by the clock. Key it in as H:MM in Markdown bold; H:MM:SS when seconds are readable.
**9:16**
